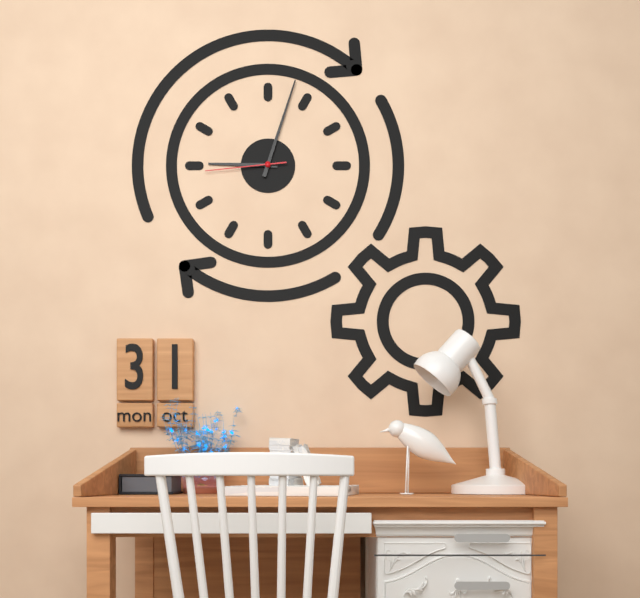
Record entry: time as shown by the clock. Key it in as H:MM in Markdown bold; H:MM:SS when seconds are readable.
**9:03:44**
